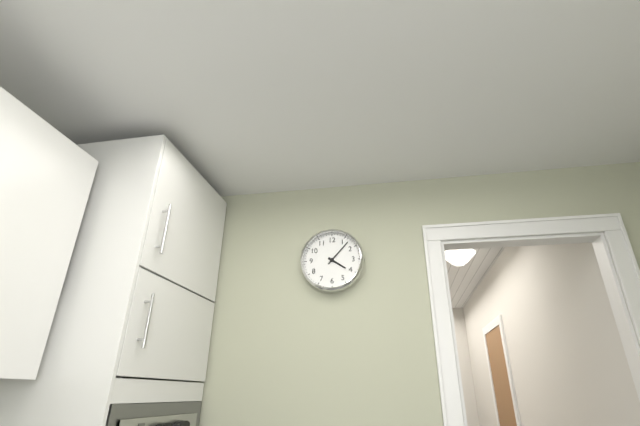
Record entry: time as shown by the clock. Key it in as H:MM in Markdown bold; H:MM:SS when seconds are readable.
**4:07**
